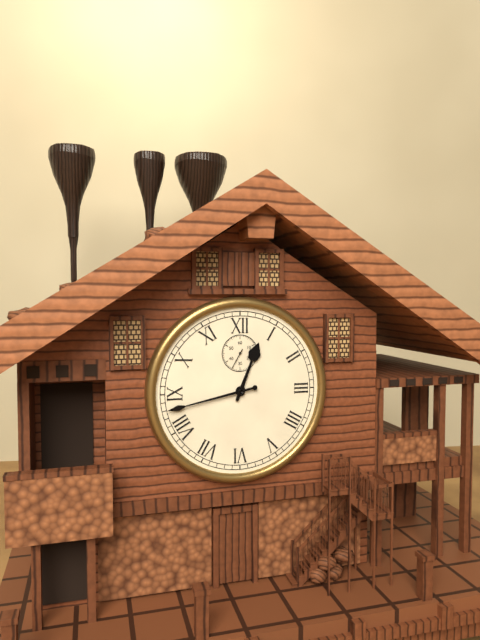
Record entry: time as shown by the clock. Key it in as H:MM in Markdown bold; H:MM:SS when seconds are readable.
**12:43**
